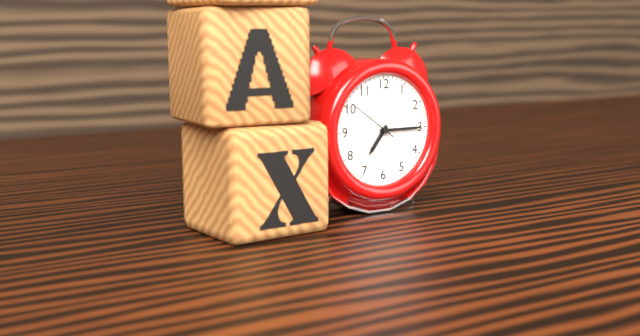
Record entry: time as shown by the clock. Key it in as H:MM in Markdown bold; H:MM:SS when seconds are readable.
**7:15**
